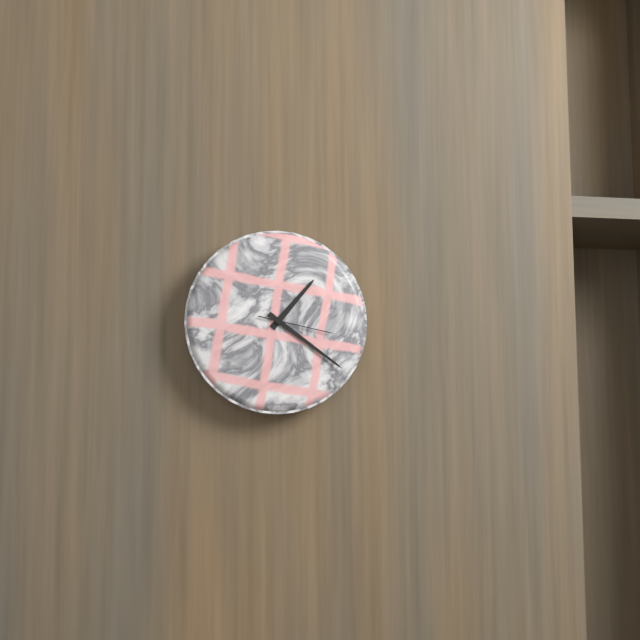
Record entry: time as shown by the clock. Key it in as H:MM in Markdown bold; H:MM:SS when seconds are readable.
**1:21:17**
